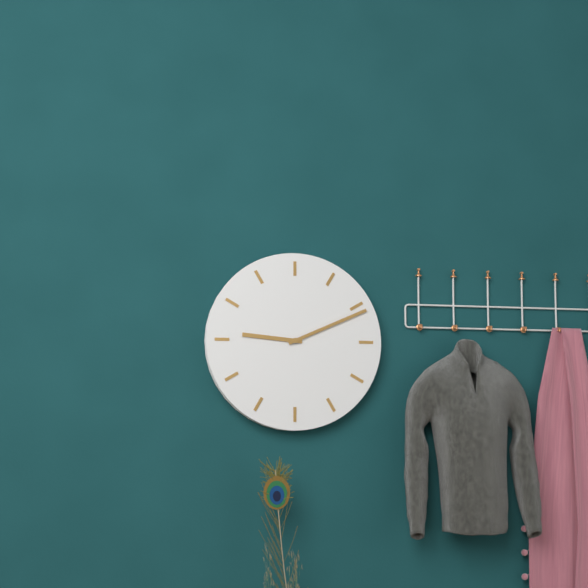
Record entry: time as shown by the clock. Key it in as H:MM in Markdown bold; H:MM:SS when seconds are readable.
**9:11**
